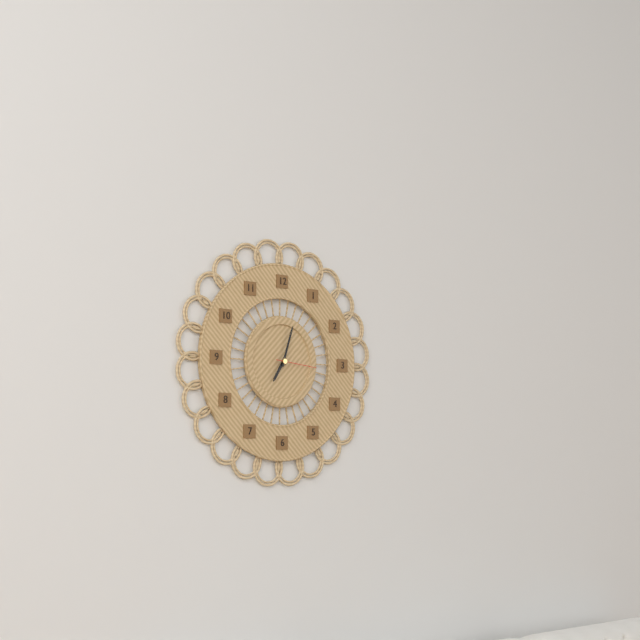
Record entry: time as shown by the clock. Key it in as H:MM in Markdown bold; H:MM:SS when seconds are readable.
**7:03**
